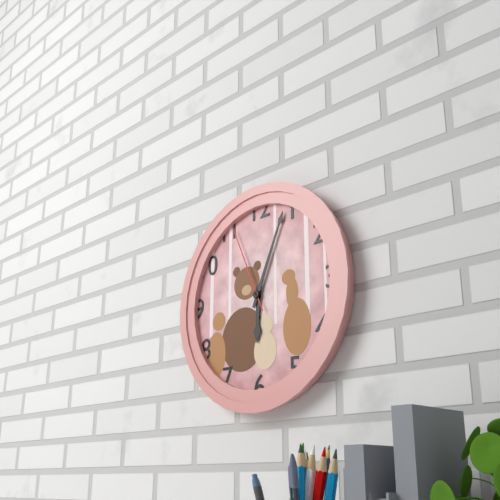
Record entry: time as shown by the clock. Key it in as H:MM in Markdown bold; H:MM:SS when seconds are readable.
**6:04:56**
